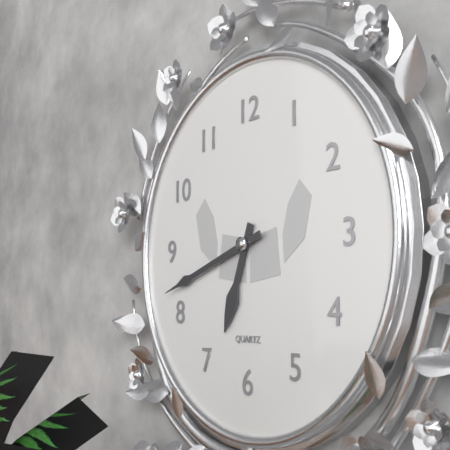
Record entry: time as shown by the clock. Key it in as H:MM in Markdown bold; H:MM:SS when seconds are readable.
**6:42**
